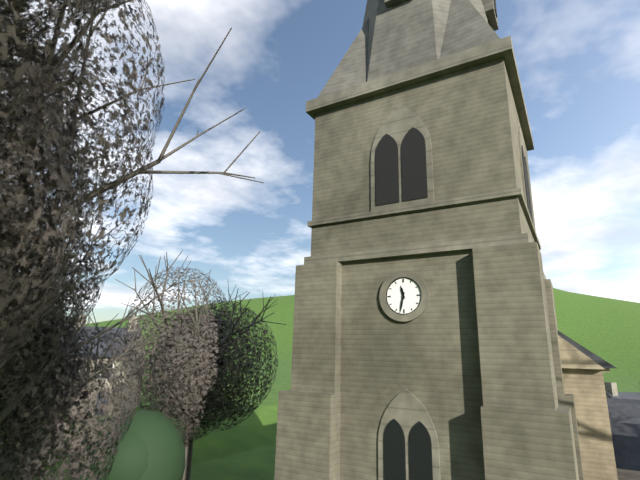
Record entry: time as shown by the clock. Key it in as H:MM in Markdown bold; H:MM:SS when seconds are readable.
**11:32**
